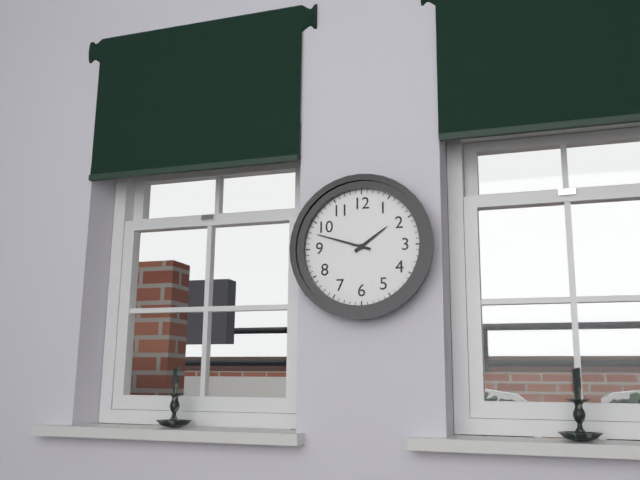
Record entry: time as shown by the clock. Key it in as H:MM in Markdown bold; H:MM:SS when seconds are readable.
**1:48**
